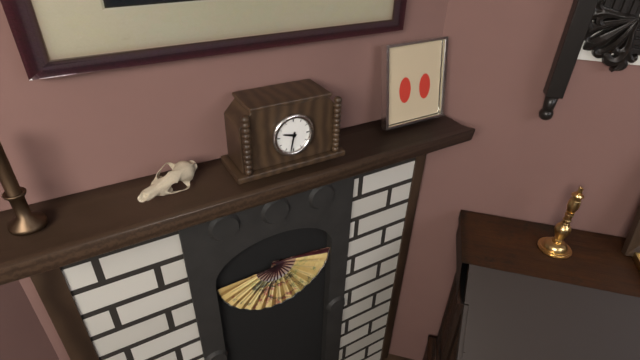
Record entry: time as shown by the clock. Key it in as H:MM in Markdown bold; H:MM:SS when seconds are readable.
**9:32**
